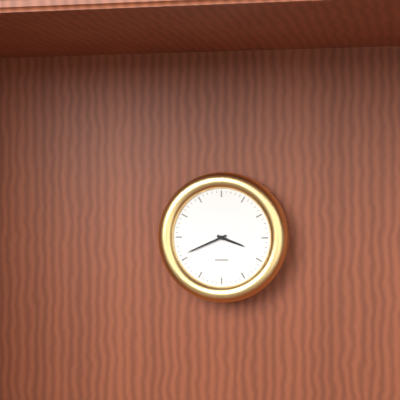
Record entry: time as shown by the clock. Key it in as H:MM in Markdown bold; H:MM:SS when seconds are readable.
**3:41**
